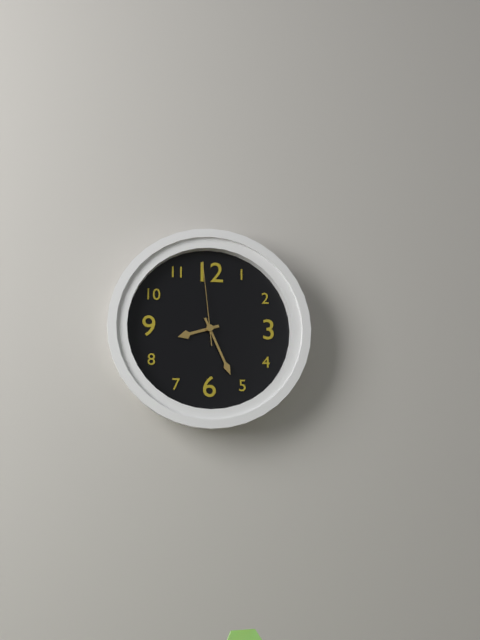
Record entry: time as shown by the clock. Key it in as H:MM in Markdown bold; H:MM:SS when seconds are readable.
**8:26:59**
